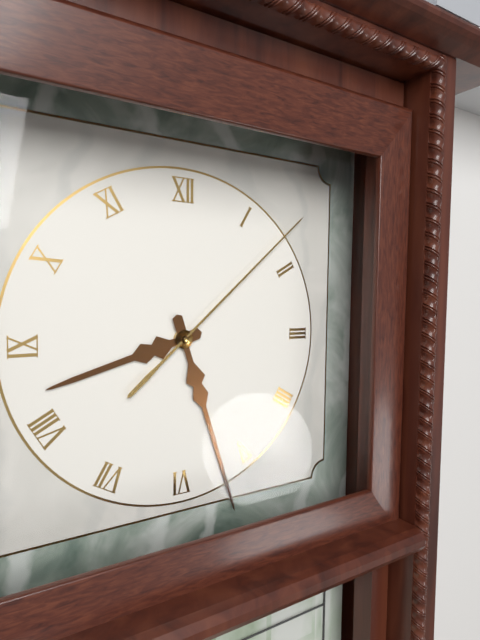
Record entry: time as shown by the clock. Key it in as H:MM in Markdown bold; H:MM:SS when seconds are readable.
**8:27:08**
